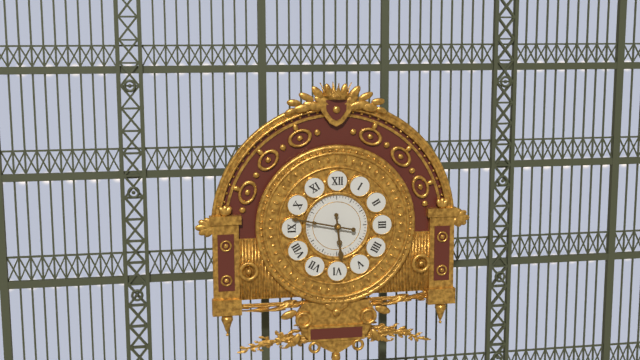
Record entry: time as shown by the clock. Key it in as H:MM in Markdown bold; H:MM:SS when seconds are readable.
**5:47**
